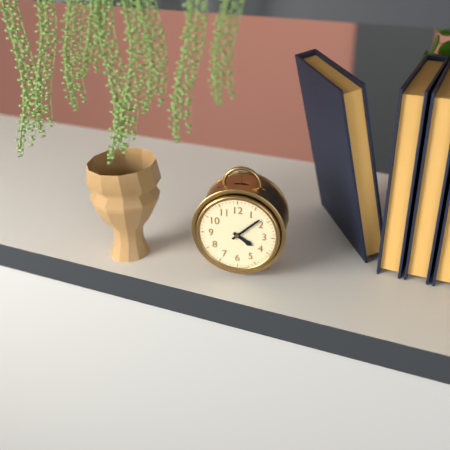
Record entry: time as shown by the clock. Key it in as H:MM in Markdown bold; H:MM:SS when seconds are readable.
**4:08**
